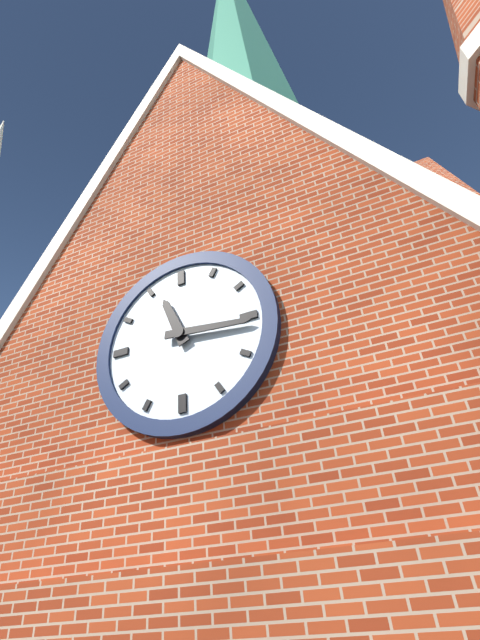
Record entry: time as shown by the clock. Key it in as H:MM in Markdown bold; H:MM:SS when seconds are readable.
**11:16**
